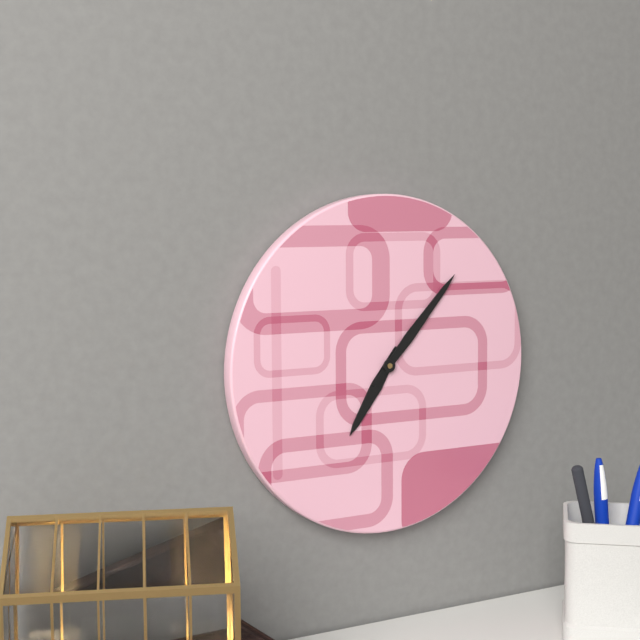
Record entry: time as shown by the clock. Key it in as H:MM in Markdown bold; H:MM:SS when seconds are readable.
**7:07**
